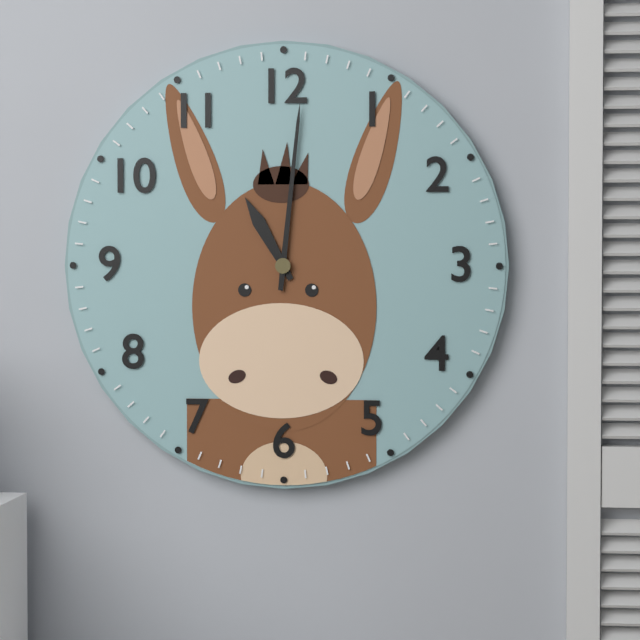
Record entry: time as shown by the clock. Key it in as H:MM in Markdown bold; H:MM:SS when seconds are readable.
**11:01**
